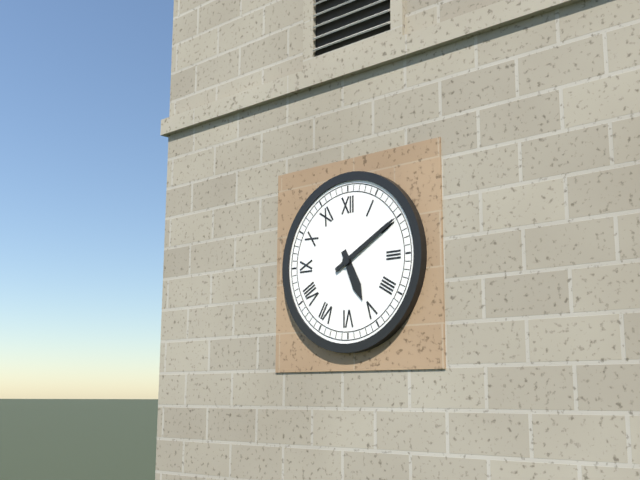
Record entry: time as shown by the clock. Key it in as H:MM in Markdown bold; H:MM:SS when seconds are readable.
**5:10**
